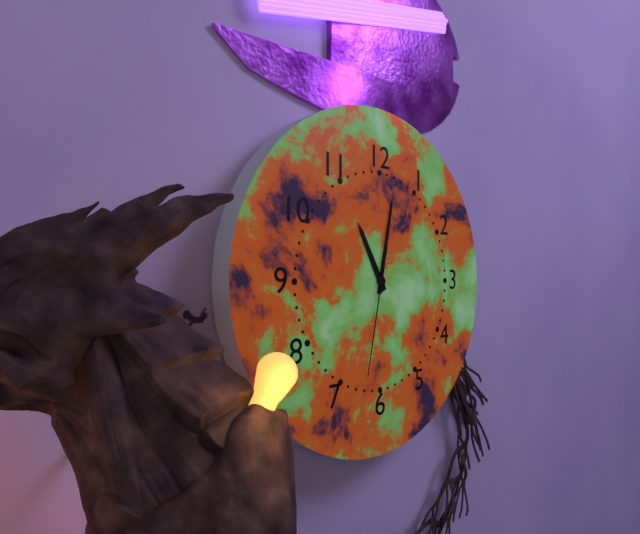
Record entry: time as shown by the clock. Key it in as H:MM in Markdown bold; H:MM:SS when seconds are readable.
**11:02:32**
